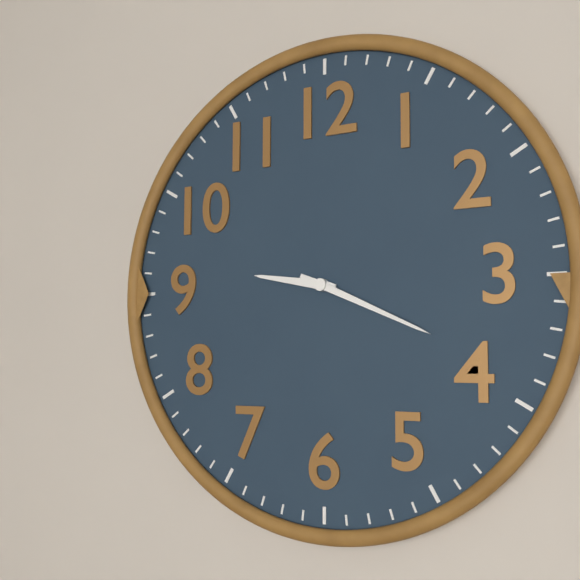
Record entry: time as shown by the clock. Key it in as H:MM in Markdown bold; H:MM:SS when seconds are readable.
**9:19**
